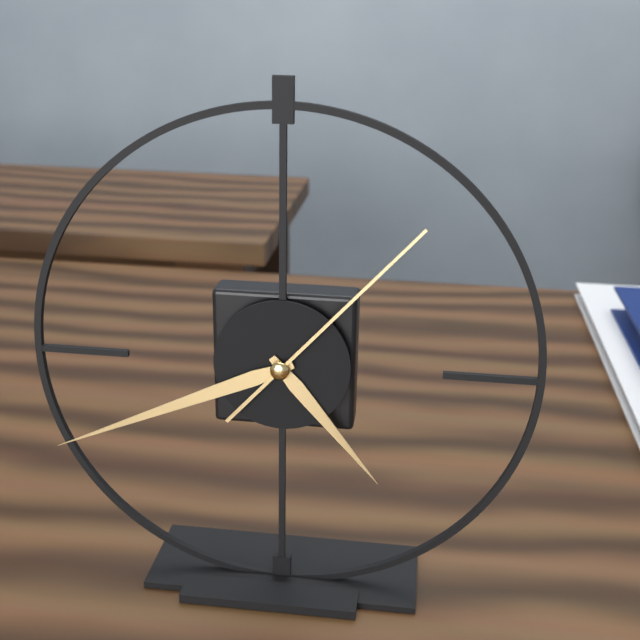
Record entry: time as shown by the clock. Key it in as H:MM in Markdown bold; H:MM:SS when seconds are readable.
**4:41:07**
